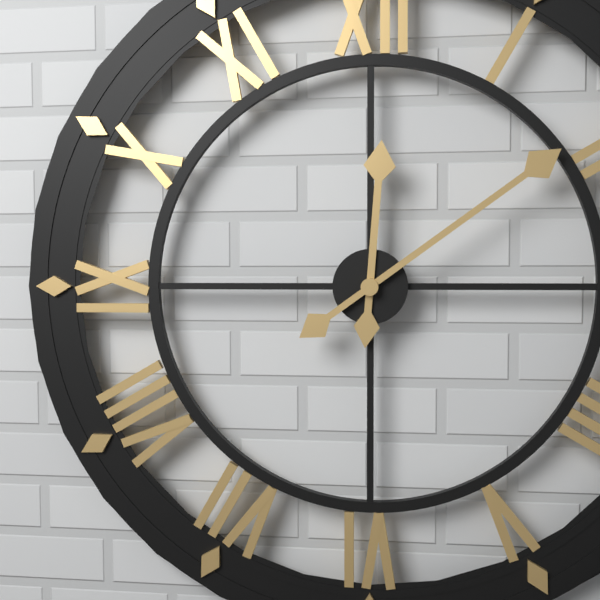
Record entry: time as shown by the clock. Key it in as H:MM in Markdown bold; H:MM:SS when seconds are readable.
**12:09**
